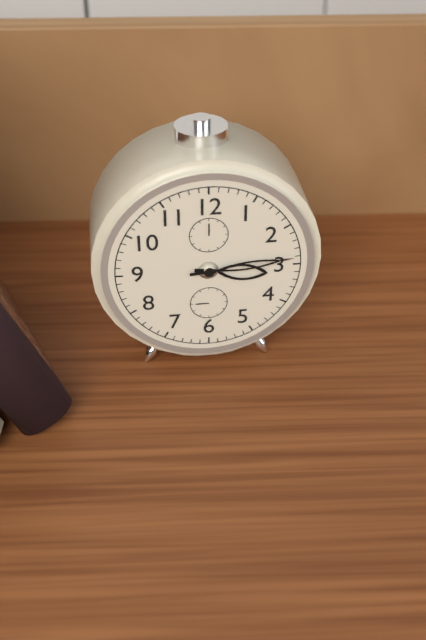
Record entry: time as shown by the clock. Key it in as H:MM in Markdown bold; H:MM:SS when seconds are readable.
**3:14**
